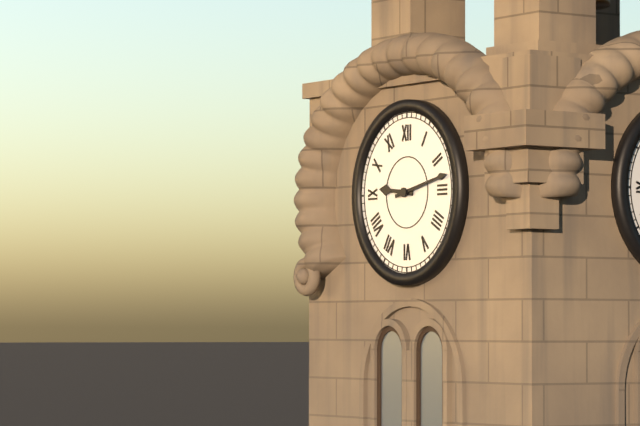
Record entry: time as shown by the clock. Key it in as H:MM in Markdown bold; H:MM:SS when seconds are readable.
**9:13**
